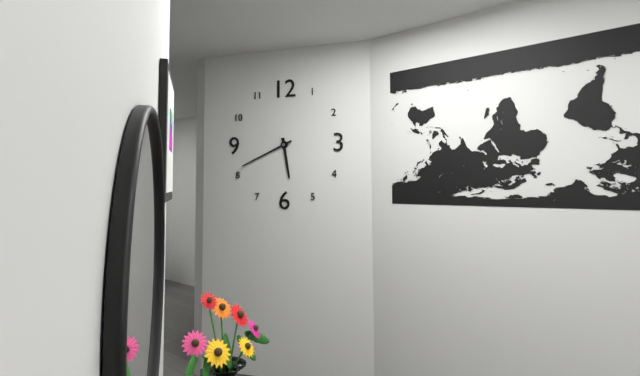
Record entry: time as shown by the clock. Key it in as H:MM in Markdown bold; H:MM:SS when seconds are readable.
**5:41**
